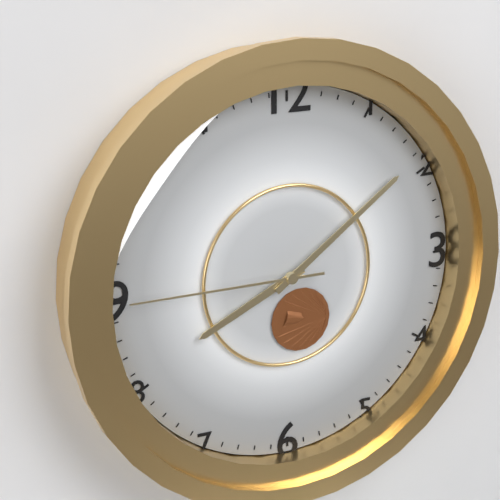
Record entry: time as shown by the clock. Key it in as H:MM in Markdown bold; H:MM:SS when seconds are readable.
**8:09:45**
